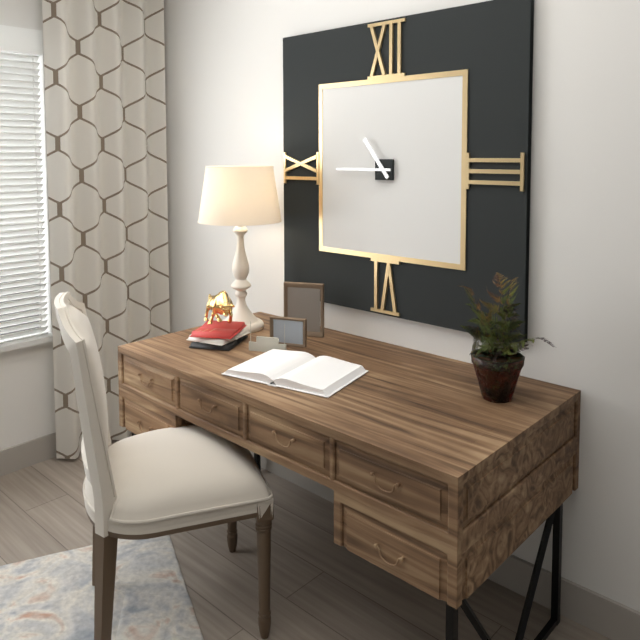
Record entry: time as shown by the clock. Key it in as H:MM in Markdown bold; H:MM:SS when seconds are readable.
**10:45**
